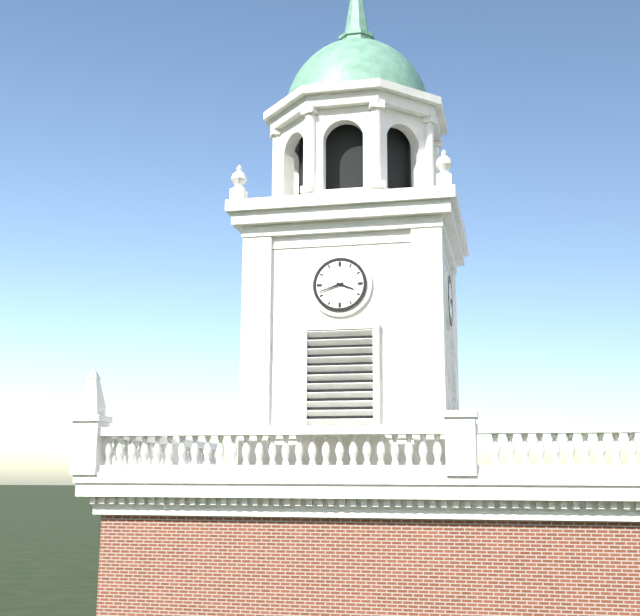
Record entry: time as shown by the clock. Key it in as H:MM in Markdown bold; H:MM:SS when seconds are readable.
**3:42**
